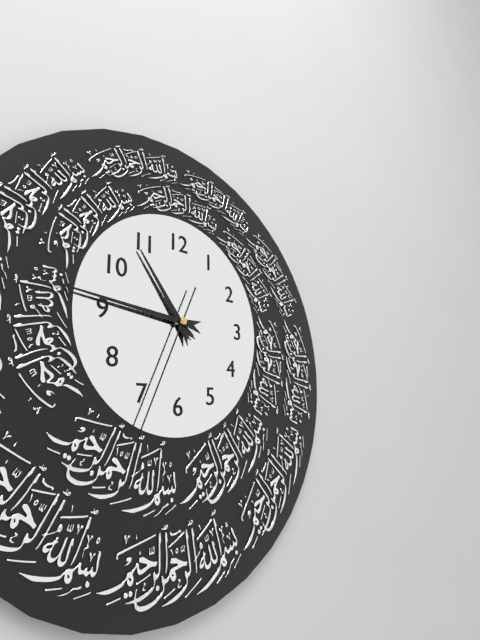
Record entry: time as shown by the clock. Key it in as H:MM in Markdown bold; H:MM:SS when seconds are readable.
**10:46:34**
